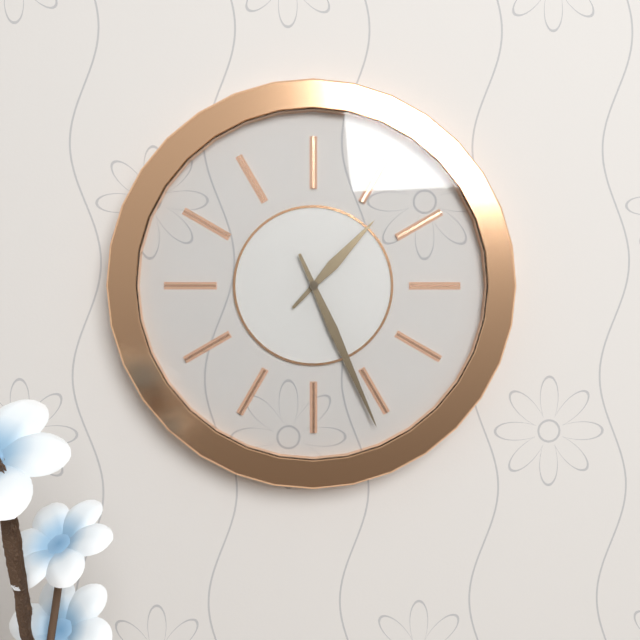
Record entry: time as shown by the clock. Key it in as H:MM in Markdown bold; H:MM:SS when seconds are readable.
**1:26**
